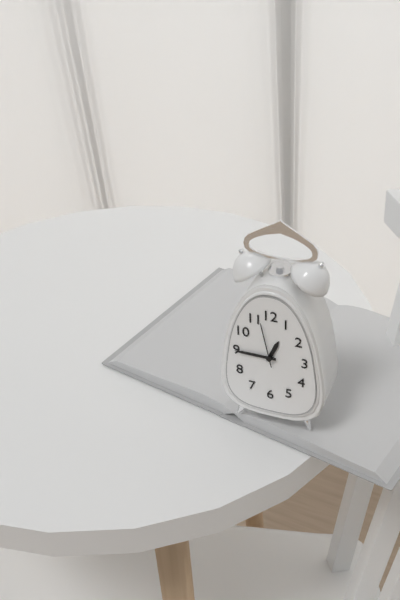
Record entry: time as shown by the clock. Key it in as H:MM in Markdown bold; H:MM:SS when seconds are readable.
**12:45**
